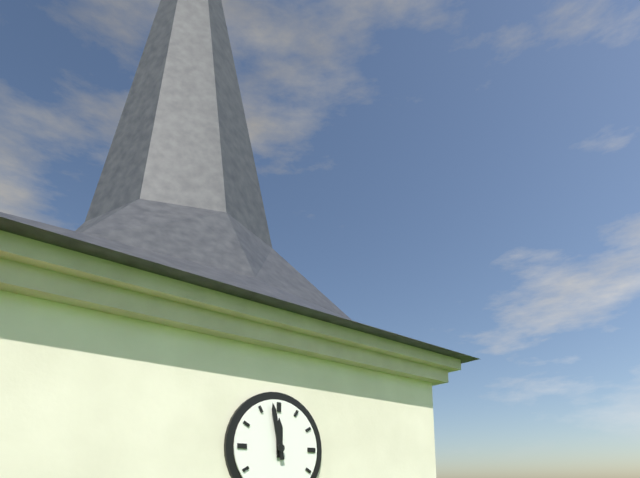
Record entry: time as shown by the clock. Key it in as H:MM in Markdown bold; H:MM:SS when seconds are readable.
**11:58**
